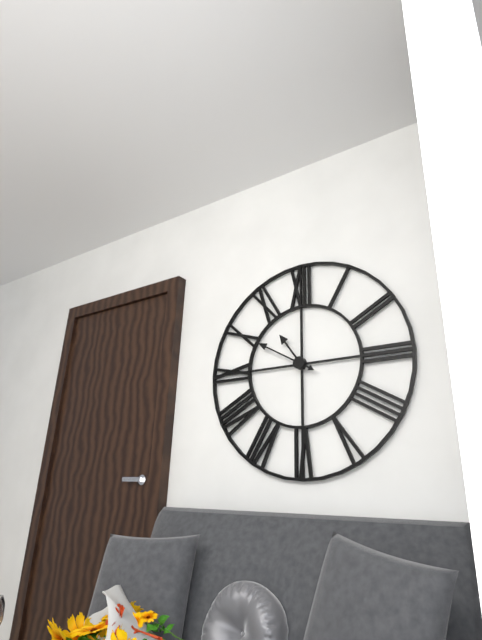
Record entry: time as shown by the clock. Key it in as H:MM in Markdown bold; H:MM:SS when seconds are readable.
**10:50**
